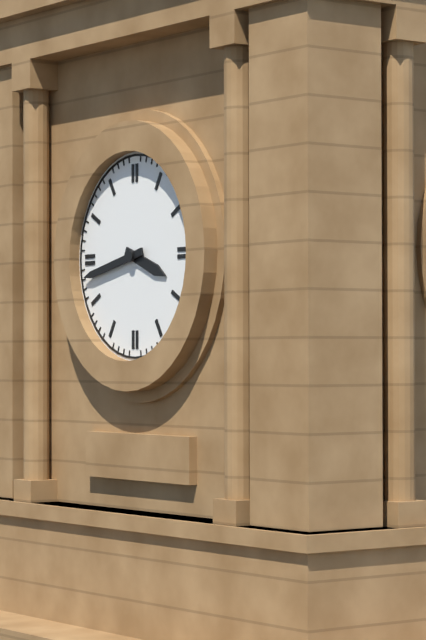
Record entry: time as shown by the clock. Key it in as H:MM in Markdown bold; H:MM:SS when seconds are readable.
**3:43**
